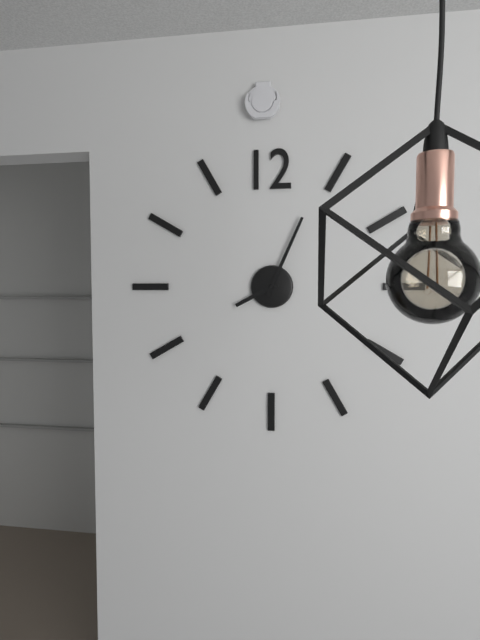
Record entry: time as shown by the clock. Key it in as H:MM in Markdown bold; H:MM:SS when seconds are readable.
**8:04**
